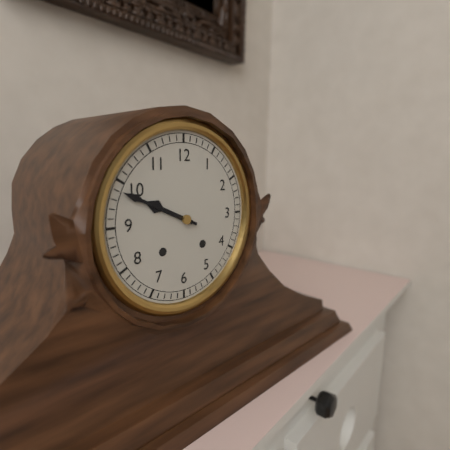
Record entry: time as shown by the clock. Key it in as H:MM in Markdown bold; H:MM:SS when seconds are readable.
**9:49**
